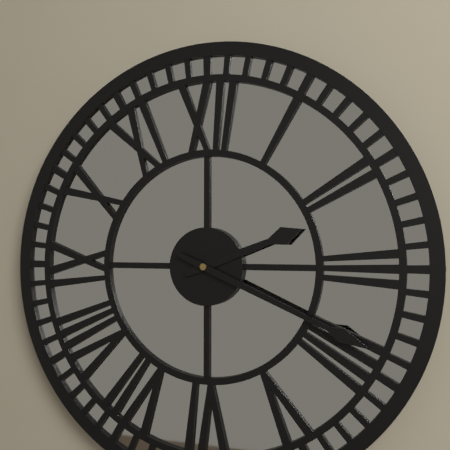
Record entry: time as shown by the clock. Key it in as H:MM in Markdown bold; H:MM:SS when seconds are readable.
**2:19**
